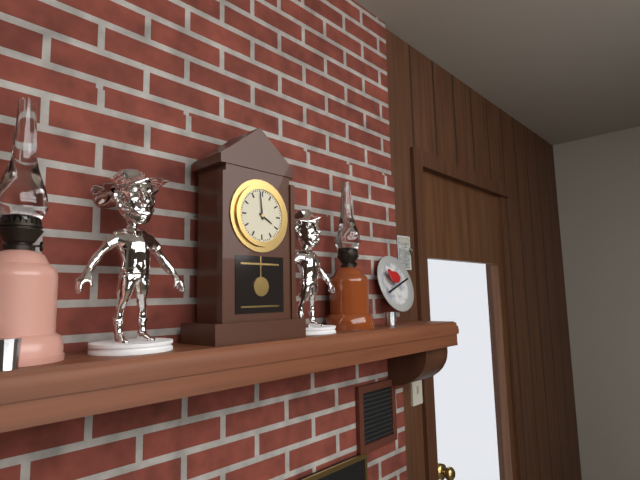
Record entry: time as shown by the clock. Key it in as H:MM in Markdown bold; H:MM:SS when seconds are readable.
**3:59**
